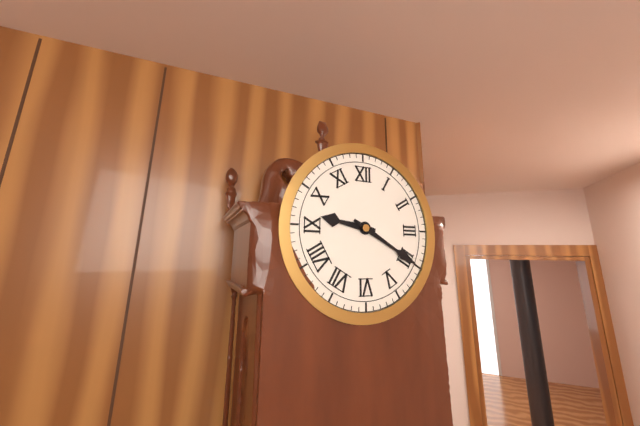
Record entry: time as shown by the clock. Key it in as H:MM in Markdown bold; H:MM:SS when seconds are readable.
**9:20**
